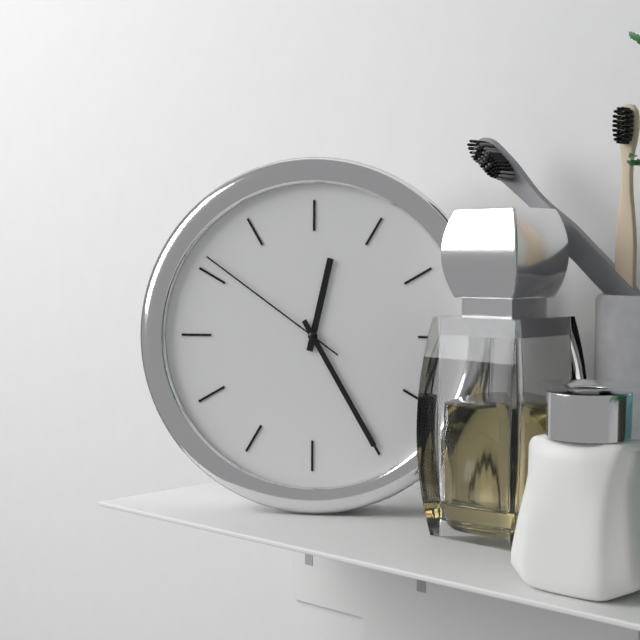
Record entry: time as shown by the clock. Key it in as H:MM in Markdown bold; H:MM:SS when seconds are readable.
**12:25:51**
